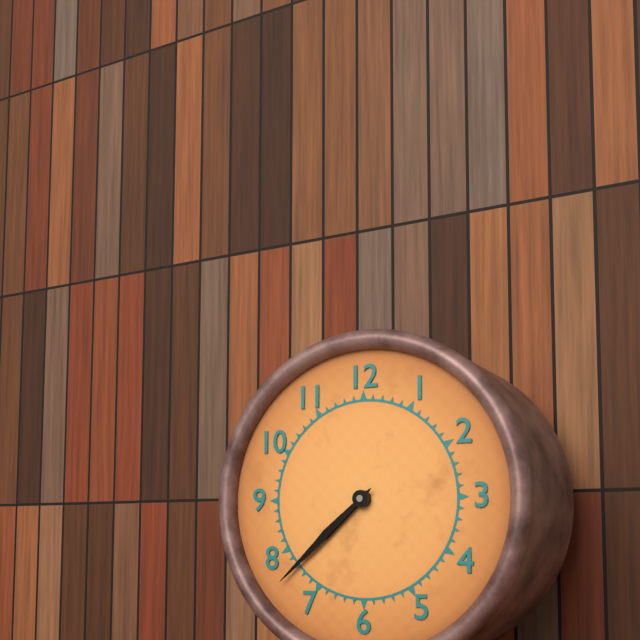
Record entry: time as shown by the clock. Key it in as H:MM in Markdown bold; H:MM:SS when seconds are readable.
**7:38**
